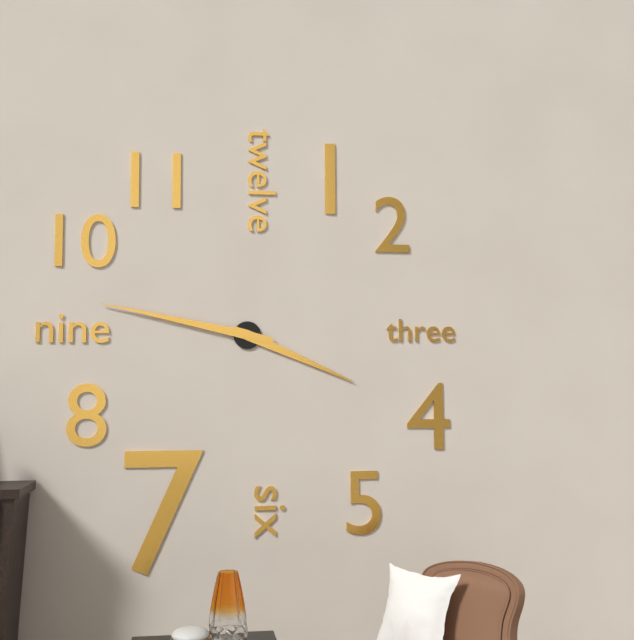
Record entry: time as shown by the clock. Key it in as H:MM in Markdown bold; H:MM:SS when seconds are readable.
**3:47**
